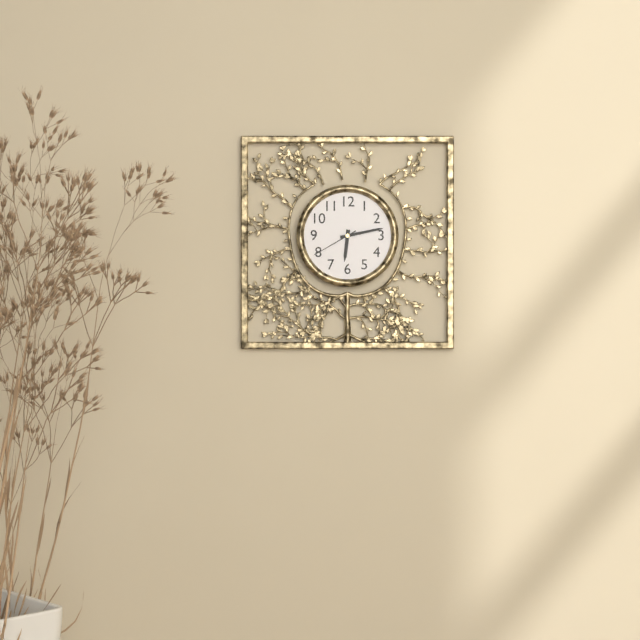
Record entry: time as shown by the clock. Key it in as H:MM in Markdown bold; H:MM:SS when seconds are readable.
**6:13**
